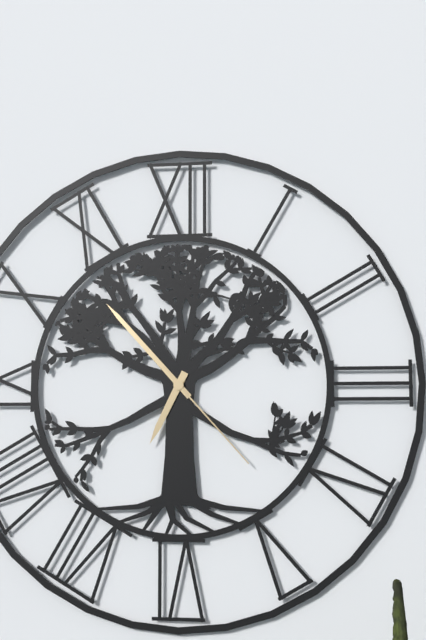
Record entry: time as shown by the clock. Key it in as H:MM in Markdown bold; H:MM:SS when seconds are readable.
**6:53:23**
